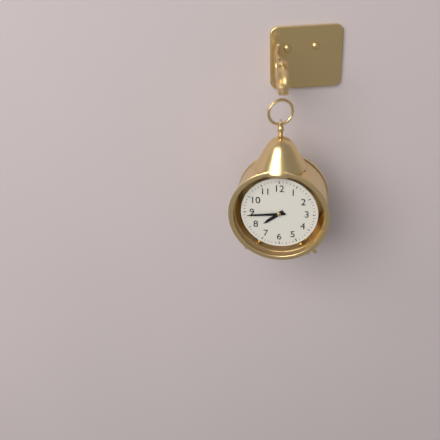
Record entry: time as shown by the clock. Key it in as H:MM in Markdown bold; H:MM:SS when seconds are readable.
**7:44**
